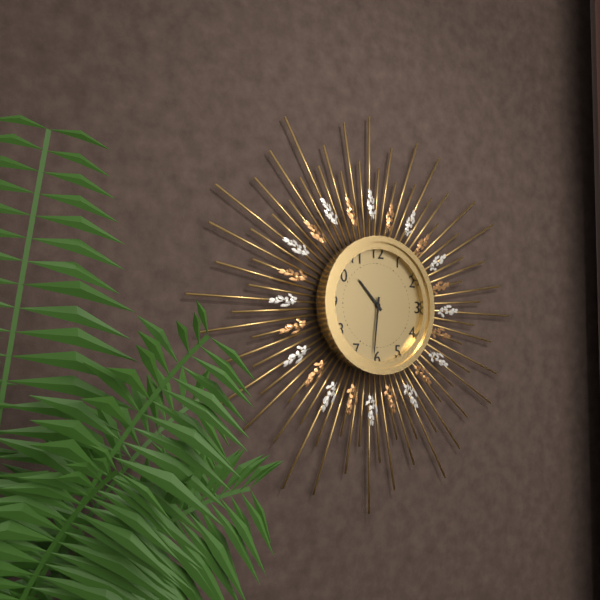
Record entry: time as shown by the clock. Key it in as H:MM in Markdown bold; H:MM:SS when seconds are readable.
**10:31**
